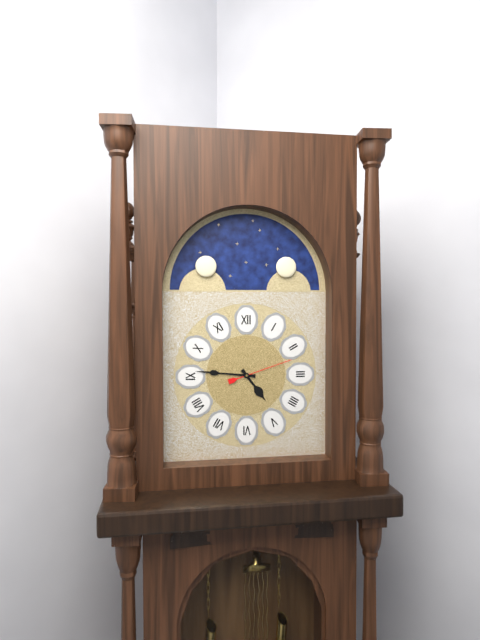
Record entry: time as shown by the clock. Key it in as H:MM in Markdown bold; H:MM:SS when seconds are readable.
**4:46:12**
